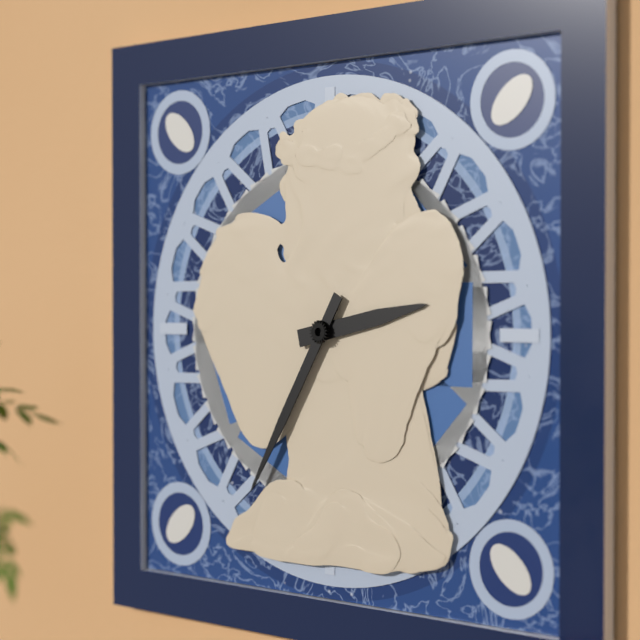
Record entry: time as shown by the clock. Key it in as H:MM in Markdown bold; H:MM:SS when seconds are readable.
**2:35**
